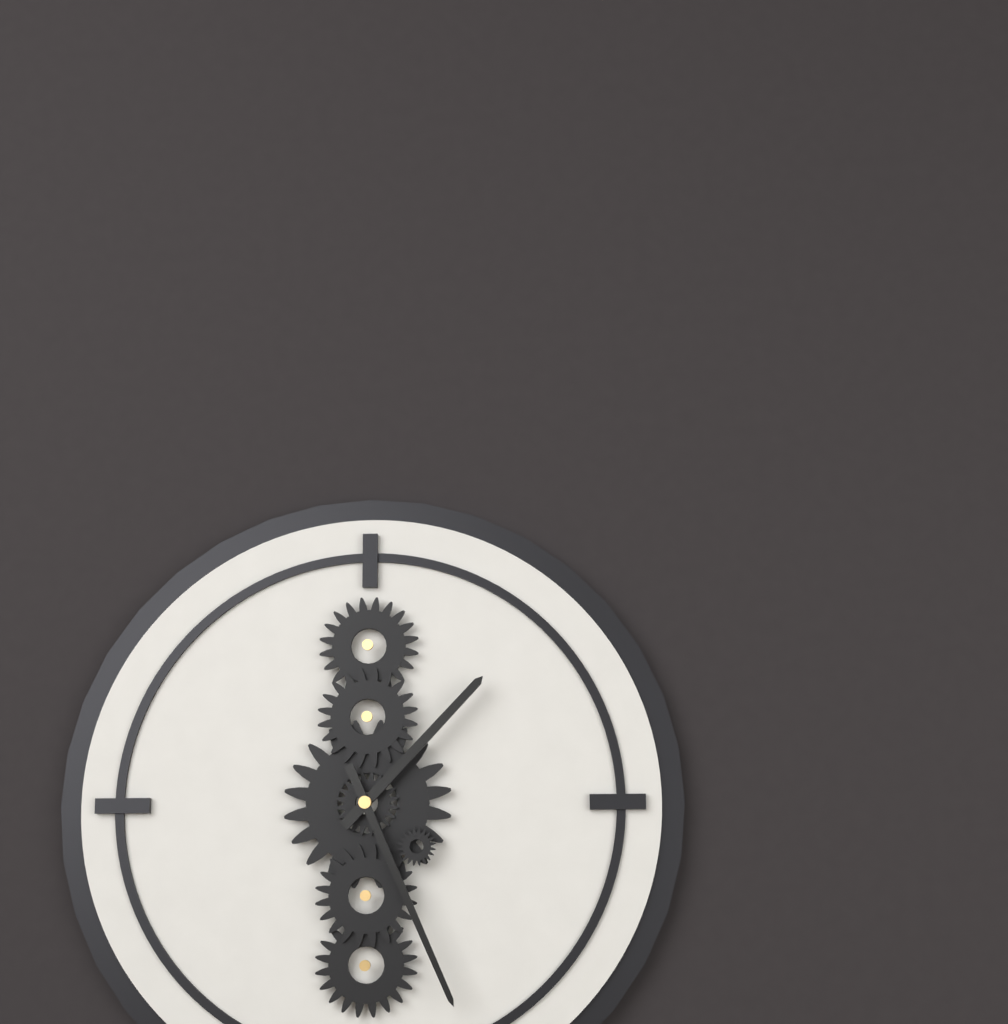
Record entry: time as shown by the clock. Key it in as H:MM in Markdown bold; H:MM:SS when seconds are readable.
**1:26**
